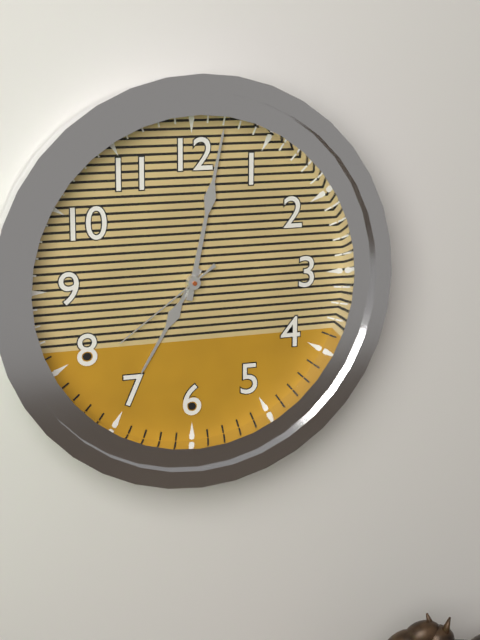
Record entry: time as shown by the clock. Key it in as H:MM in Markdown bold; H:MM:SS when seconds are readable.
**7:02:39**
